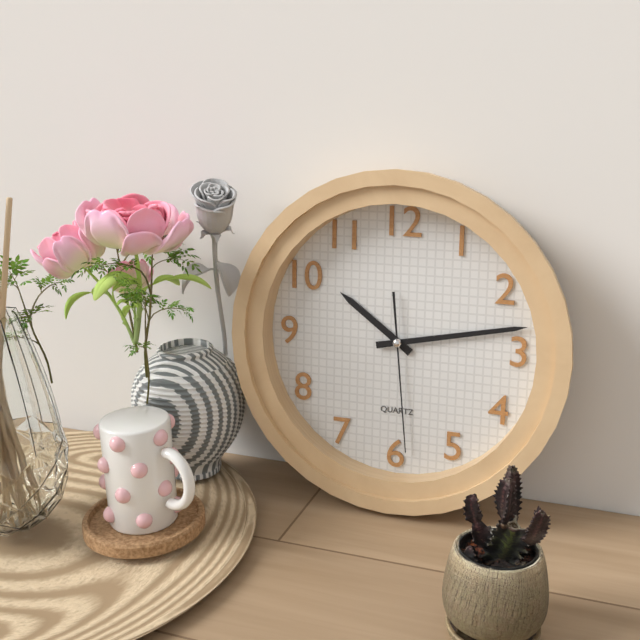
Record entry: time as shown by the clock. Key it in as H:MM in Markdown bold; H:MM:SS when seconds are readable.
**10:13:29**
